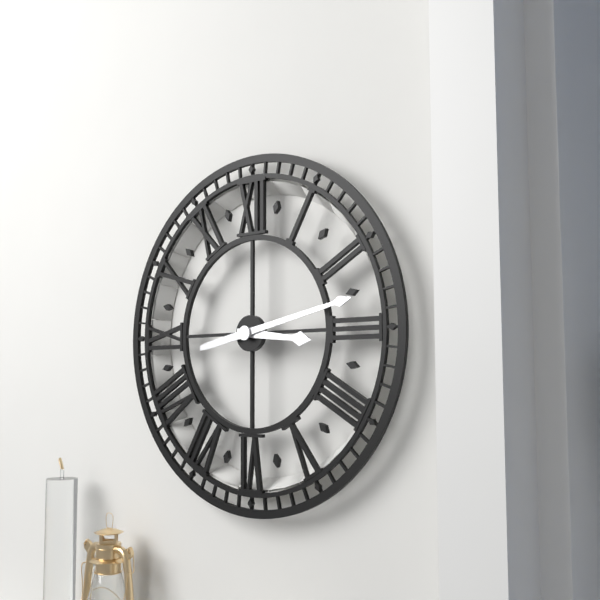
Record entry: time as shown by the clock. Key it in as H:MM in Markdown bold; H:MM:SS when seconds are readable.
**3:13**
